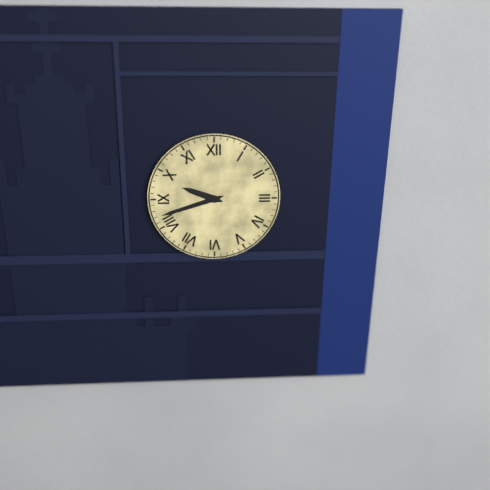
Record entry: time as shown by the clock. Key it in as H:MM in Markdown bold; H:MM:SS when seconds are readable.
**9:42**
